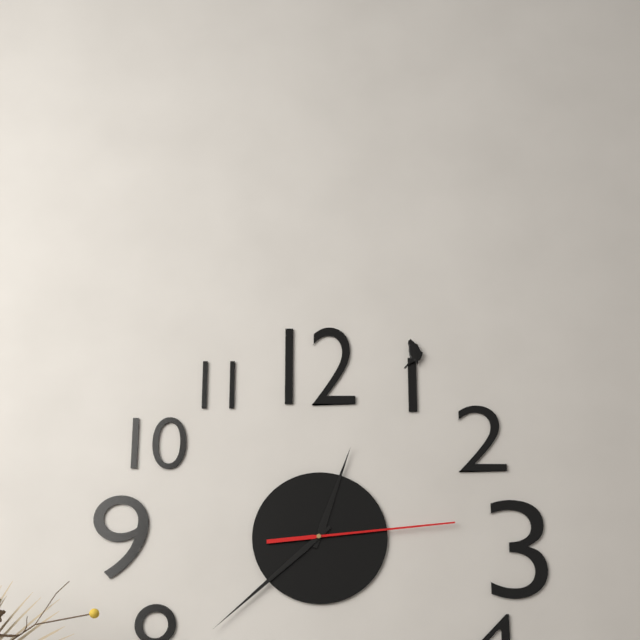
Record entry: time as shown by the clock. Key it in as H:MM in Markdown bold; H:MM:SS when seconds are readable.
**12:38:14**
